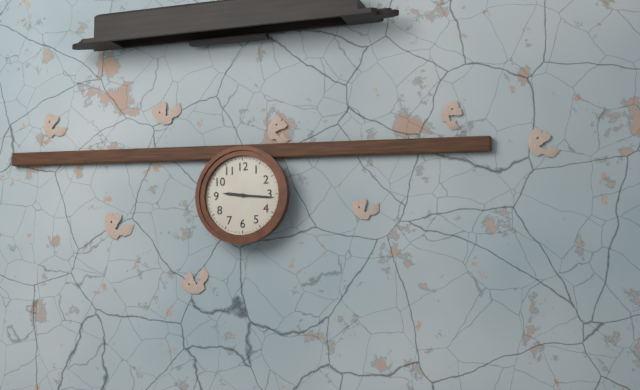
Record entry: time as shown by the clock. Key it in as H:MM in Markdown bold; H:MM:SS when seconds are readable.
**9:16**
